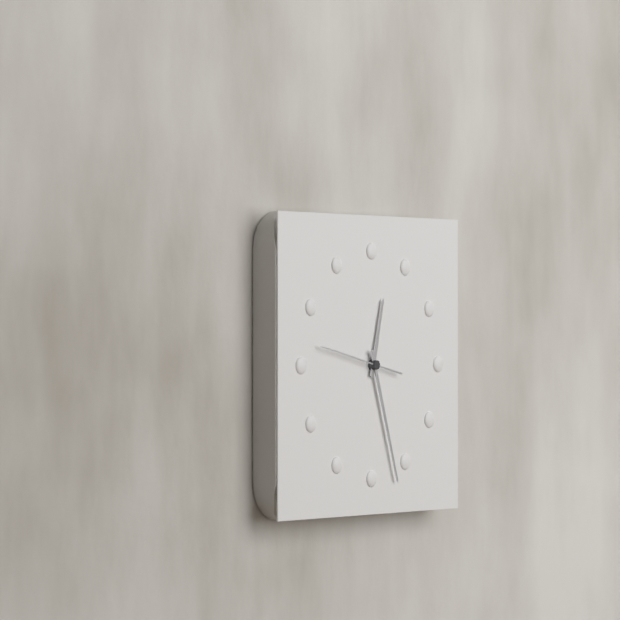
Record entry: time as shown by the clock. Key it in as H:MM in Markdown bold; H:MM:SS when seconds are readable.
**12:27:47**
